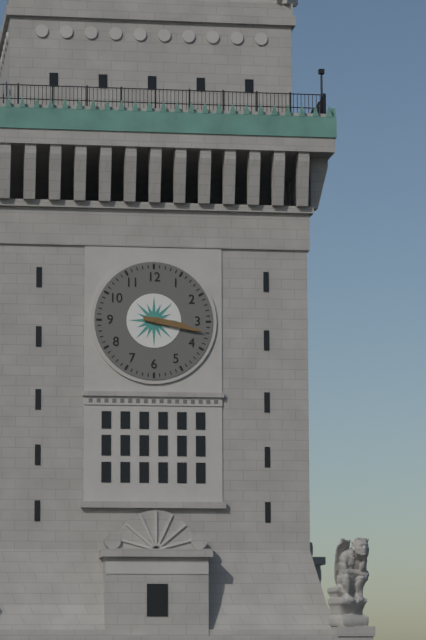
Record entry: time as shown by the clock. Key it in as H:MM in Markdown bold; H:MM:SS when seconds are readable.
**3:17**
